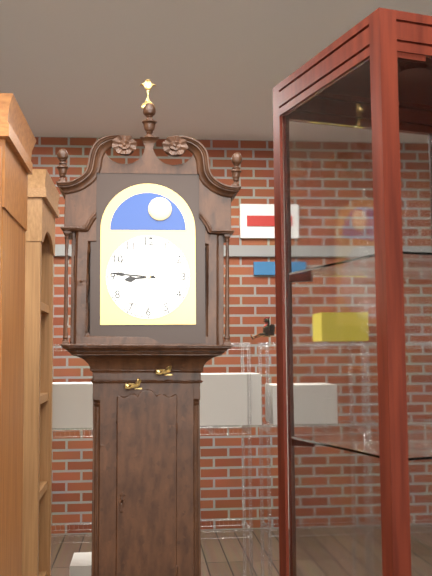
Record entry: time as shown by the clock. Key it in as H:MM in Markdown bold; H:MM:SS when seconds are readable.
**8:46**
